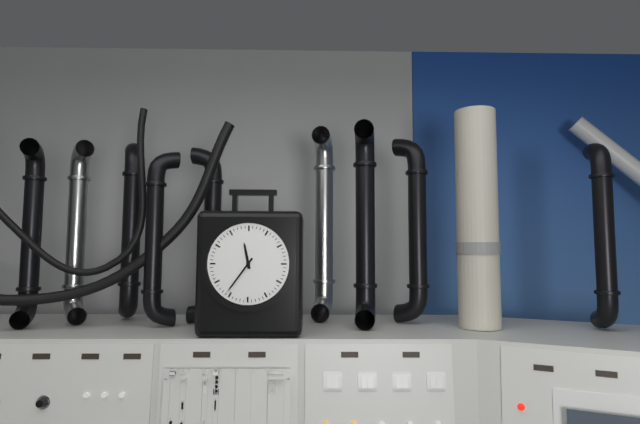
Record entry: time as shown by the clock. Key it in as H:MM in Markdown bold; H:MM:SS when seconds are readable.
**11:36**
